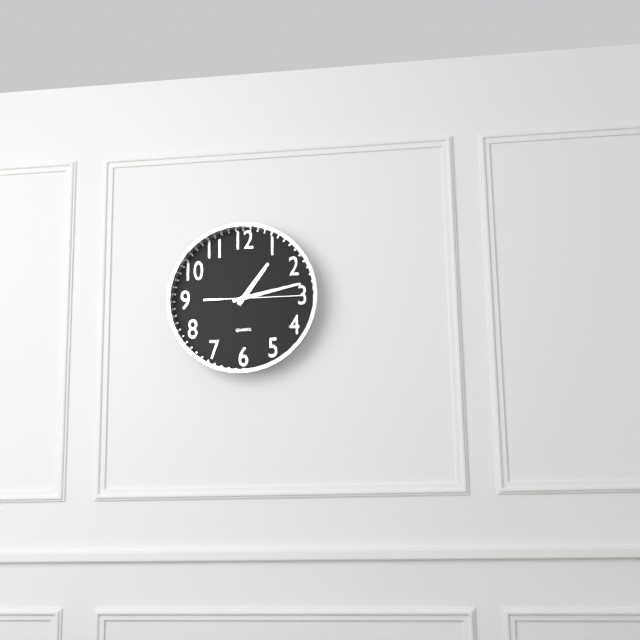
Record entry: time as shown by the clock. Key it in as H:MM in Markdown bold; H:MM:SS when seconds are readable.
**1:13:15**
